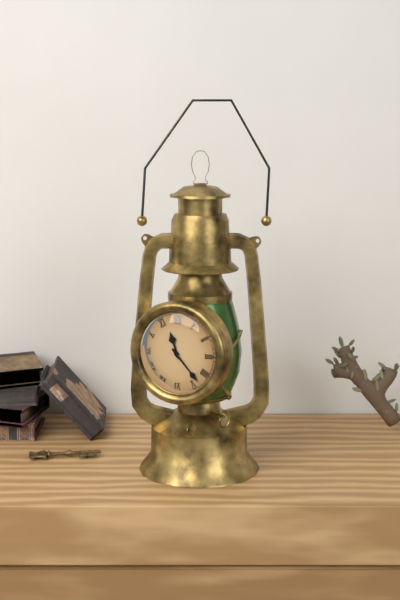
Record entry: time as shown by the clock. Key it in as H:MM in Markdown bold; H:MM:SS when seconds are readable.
**11:23**
